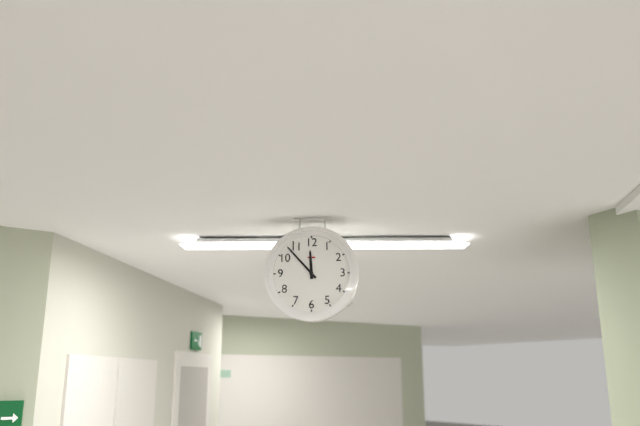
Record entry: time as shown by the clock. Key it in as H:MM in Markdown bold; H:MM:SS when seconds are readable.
**11:53**
